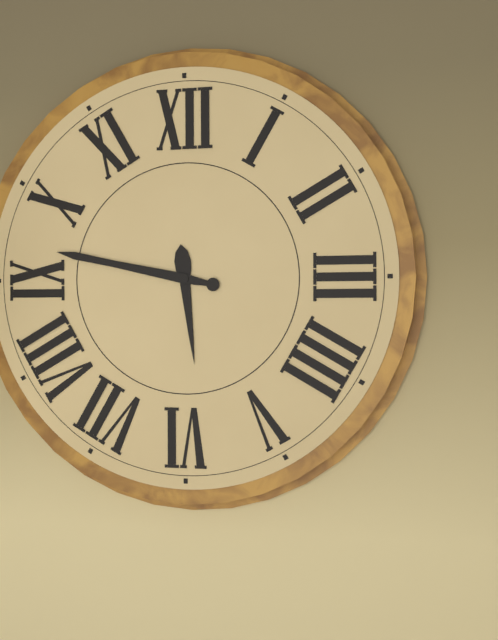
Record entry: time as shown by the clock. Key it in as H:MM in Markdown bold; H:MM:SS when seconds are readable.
**5:47**
